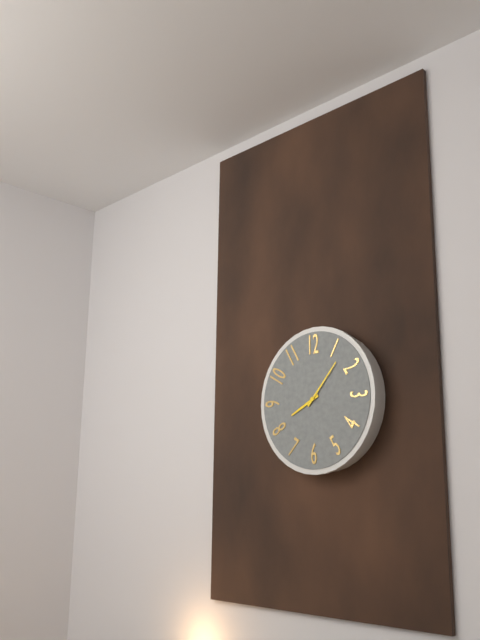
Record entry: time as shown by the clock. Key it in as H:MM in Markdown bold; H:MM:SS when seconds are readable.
**8:07**
